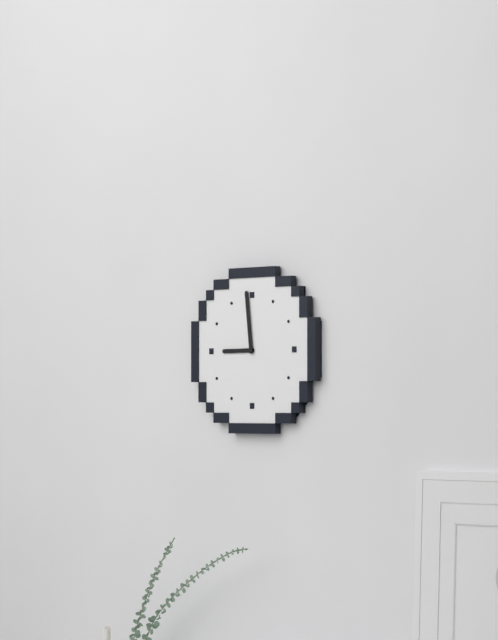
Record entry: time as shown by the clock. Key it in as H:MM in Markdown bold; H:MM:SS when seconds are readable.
**8:59**
